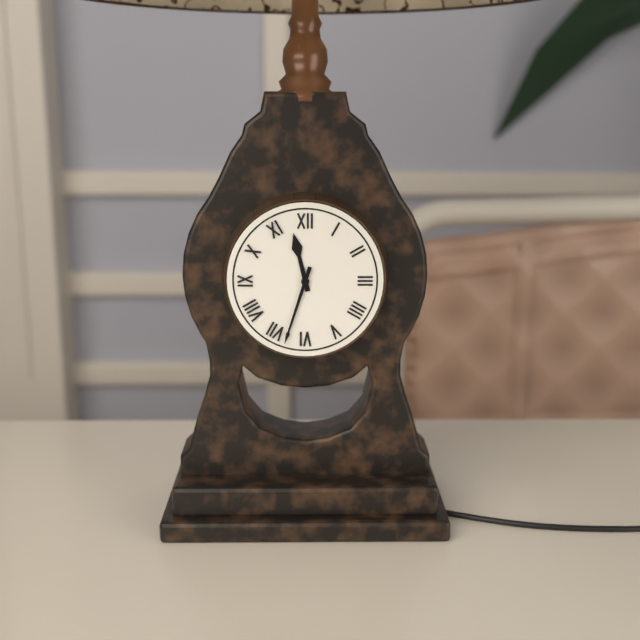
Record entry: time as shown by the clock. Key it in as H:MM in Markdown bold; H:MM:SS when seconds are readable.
**11:33**
